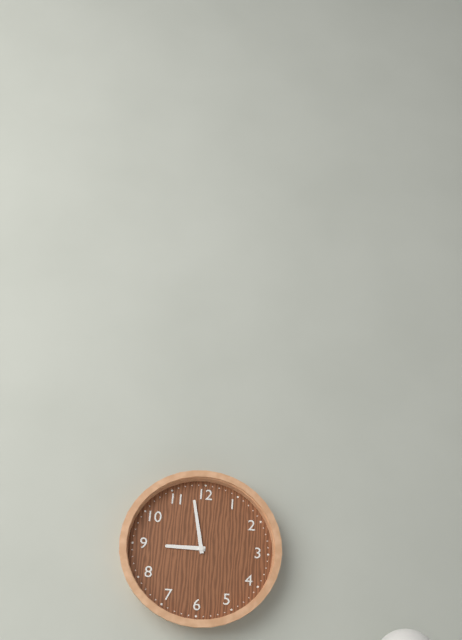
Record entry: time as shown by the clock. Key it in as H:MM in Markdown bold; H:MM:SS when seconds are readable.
**8:58**
